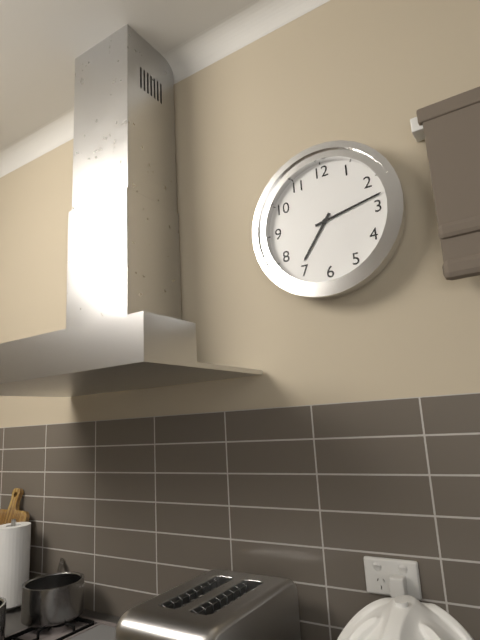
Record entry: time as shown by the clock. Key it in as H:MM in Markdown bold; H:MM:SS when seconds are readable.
**7:13**
